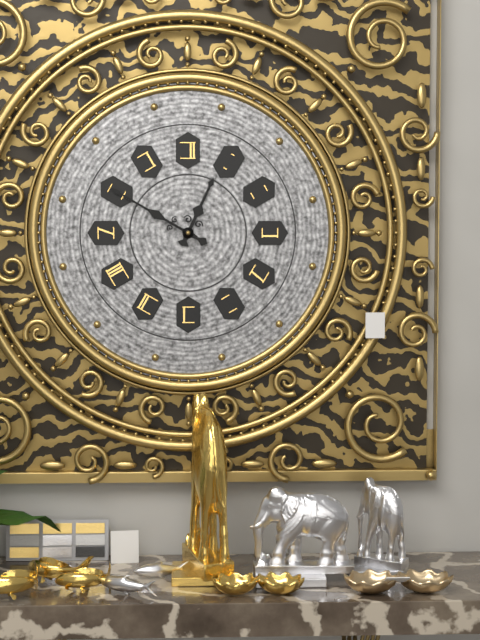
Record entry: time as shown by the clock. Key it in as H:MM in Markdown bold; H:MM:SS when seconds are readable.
**12:50**
